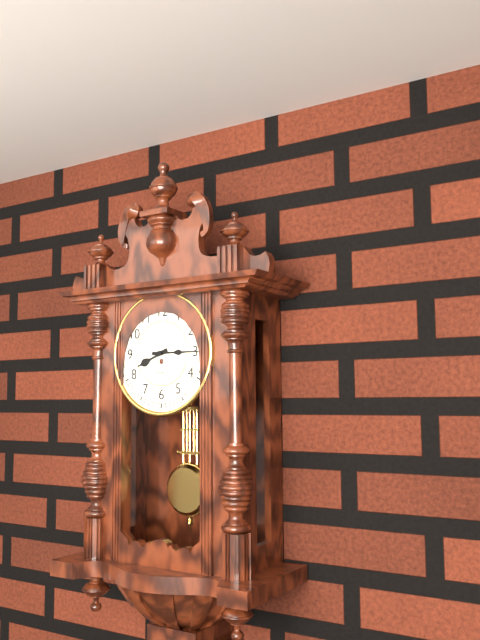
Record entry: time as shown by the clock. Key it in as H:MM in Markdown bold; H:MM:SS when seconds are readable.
**8:15**
